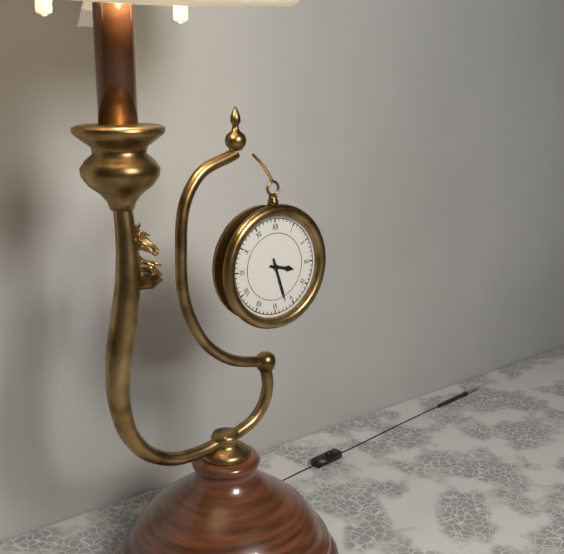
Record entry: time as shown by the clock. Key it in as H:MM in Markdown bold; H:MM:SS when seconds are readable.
**3:27**
